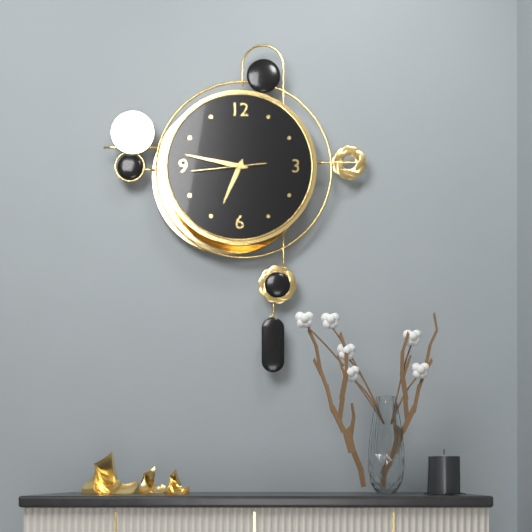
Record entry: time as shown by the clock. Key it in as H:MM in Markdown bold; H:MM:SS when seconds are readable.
**6:47:44**
